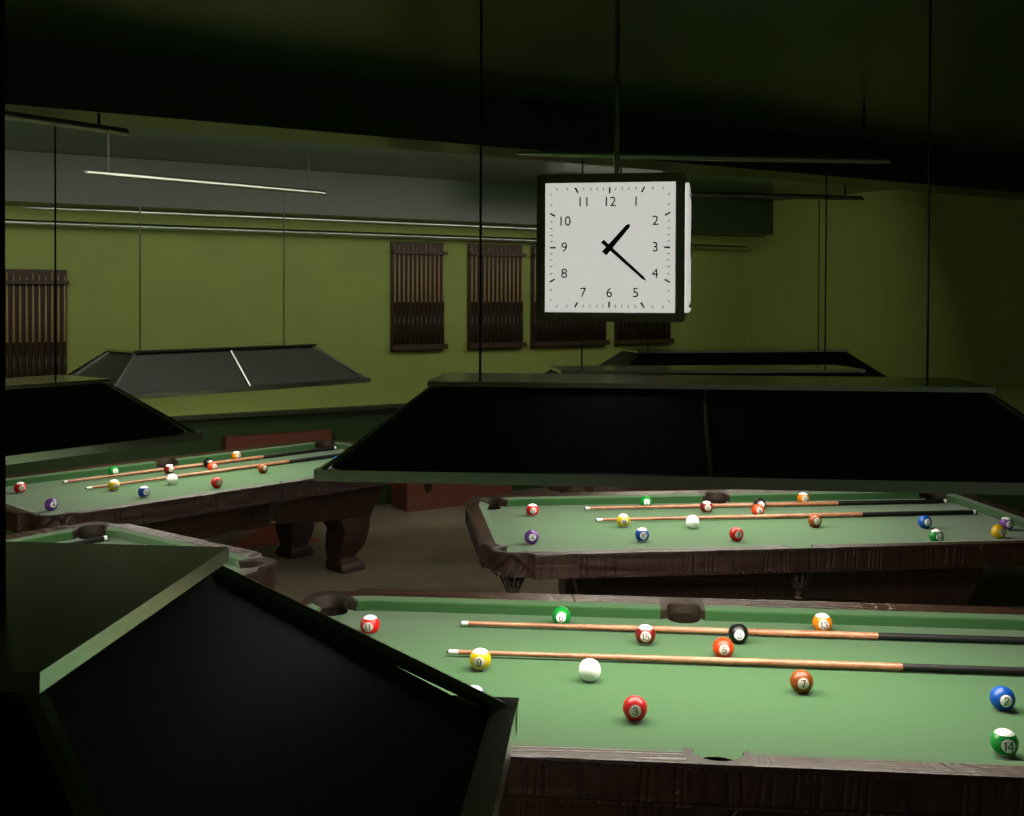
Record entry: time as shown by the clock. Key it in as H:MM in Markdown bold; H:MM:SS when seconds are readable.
**1:22**
